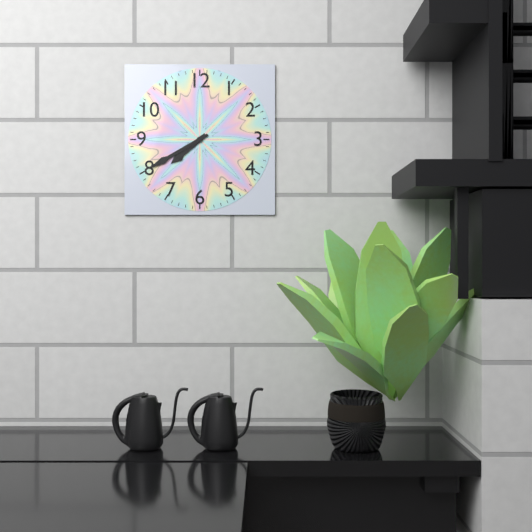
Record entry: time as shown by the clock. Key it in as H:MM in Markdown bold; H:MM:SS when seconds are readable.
**7:40**
